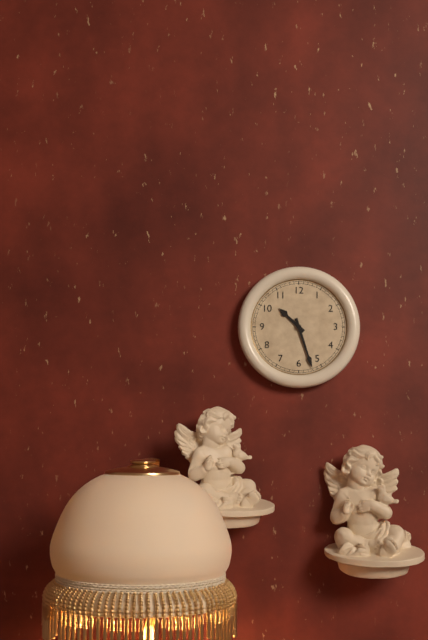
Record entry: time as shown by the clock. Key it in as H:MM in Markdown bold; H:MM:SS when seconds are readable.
**10:27**
